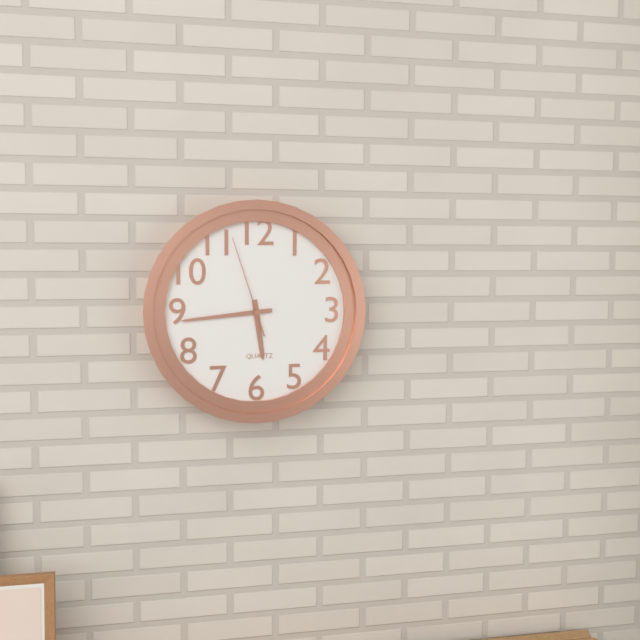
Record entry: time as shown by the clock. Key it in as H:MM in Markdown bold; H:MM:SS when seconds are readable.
**5:44:57**
